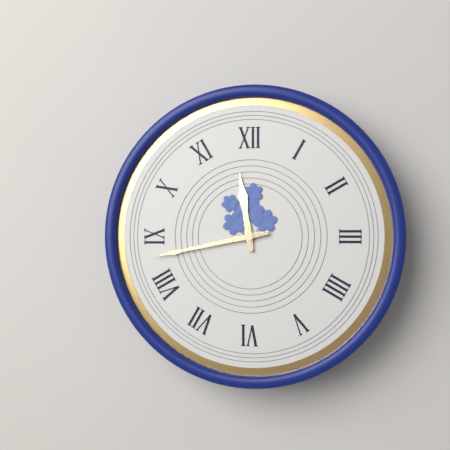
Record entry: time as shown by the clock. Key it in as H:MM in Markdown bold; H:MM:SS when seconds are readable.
**11:43**
